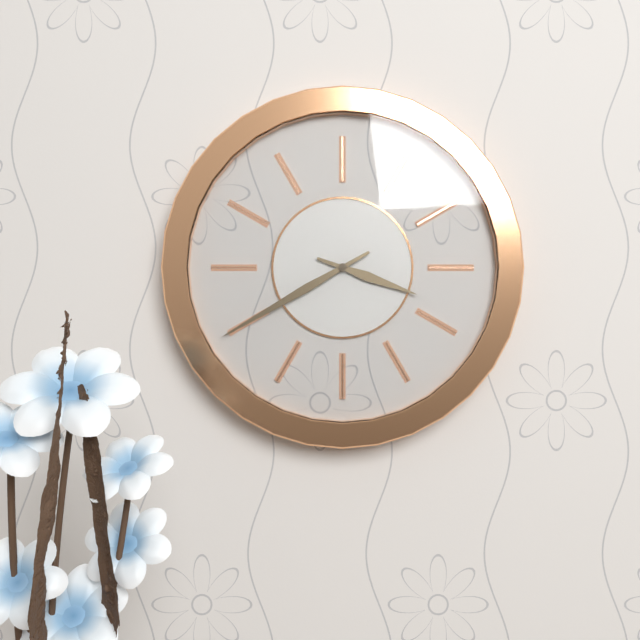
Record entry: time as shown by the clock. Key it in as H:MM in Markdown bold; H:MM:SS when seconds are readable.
**3:40**
